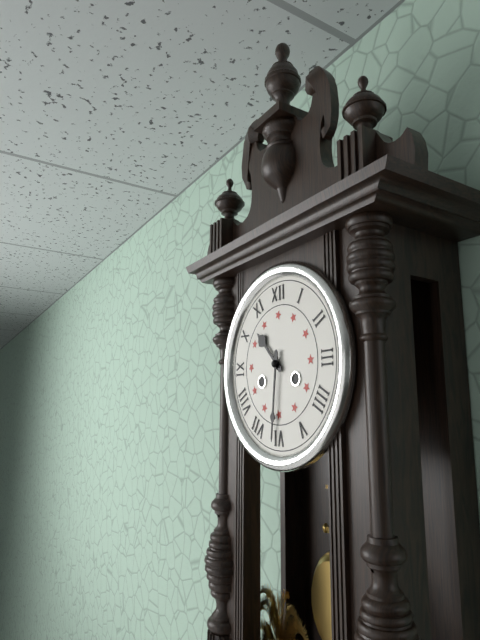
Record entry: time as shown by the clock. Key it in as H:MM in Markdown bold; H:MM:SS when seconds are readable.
**10:31**
